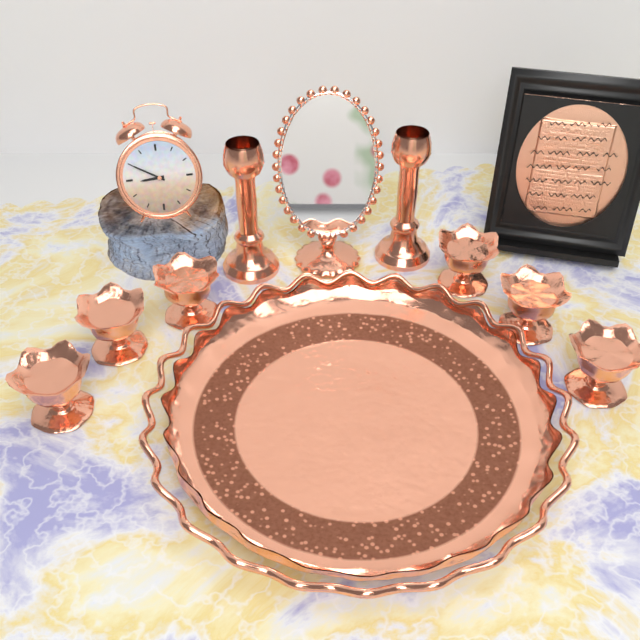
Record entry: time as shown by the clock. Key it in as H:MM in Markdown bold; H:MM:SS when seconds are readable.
**8:50**
